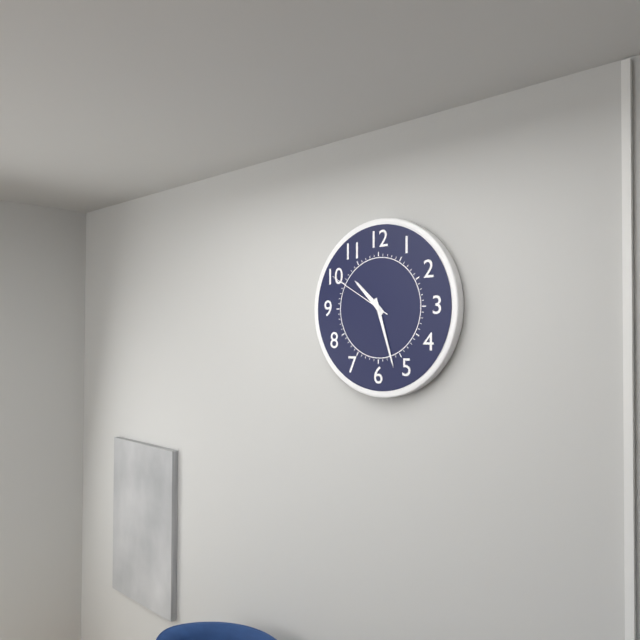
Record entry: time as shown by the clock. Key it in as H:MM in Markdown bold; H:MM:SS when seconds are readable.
**10:27:50**
